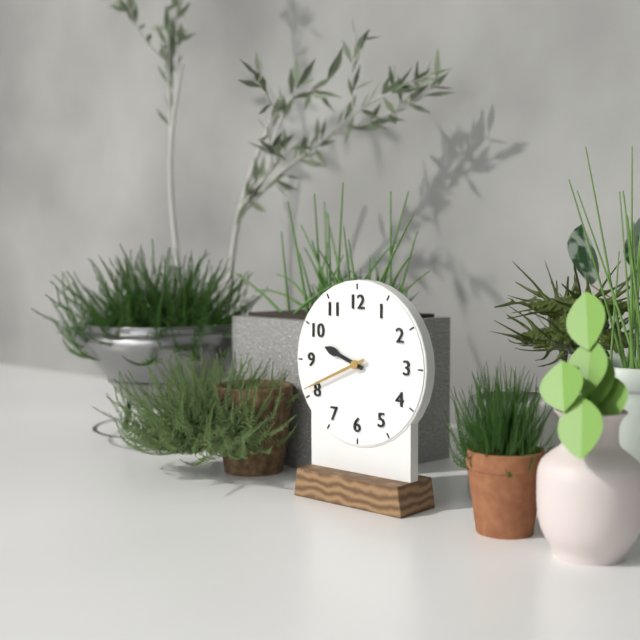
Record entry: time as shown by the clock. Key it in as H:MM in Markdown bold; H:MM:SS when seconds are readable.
**9:41**
